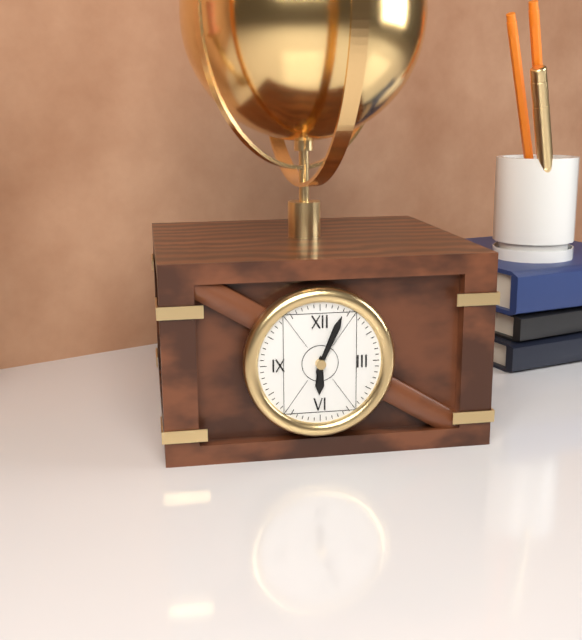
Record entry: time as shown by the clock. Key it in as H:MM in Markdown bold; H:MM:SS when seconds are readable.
**6:04**
